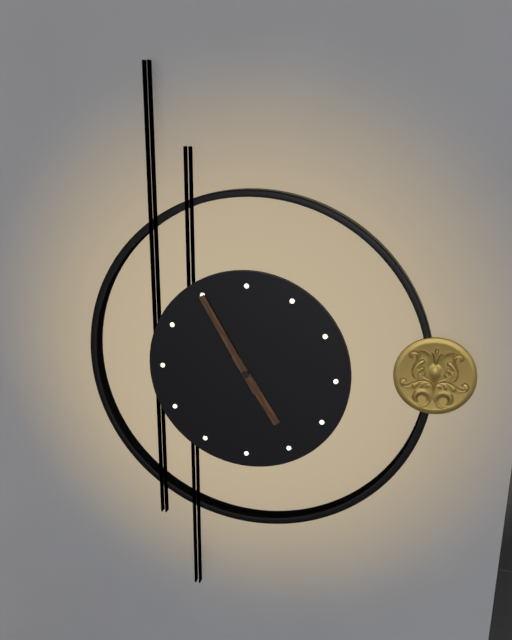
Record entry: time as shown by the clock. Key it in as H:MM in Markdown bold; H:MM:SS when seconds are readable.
**4:55**
